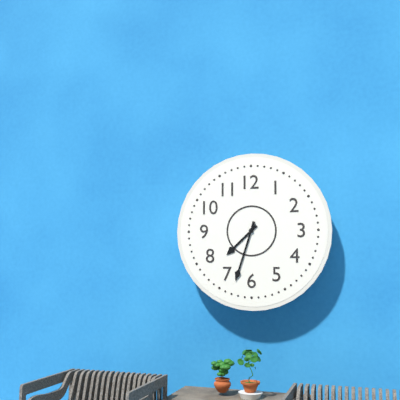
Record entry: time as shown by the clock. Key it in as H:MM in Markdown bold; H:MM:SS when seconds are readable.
**7:33**
